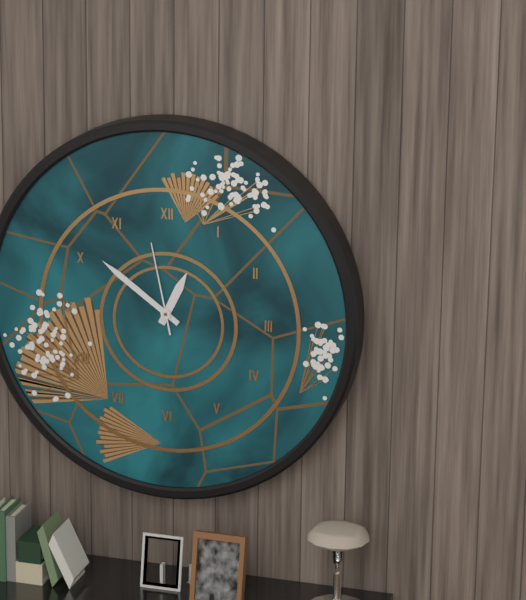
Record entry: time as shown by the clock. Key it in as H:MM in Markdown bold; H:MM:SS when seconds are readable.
**12:51:58**
